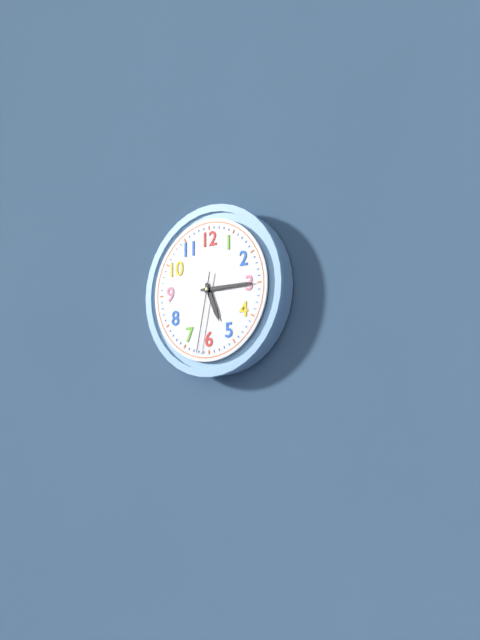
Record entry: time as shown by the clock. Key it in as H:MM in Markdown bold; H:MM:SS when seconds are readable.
**5:15:32**
